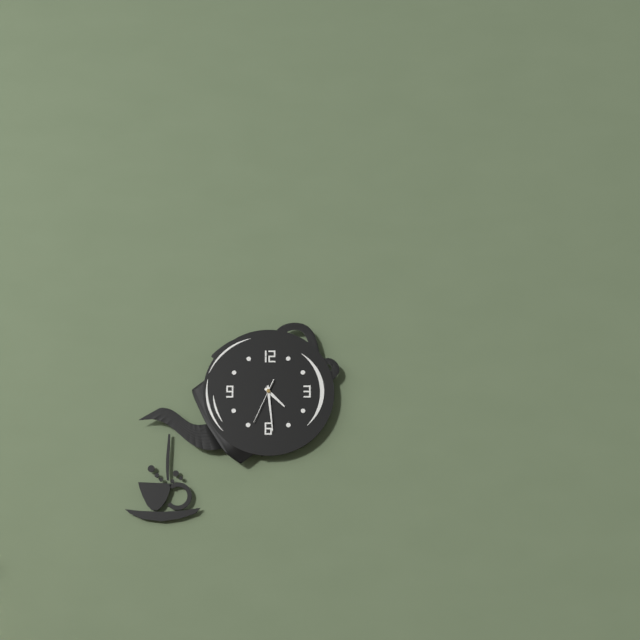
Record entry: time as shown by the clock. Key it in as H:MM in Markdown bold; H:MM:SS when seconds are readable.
**4:29**
